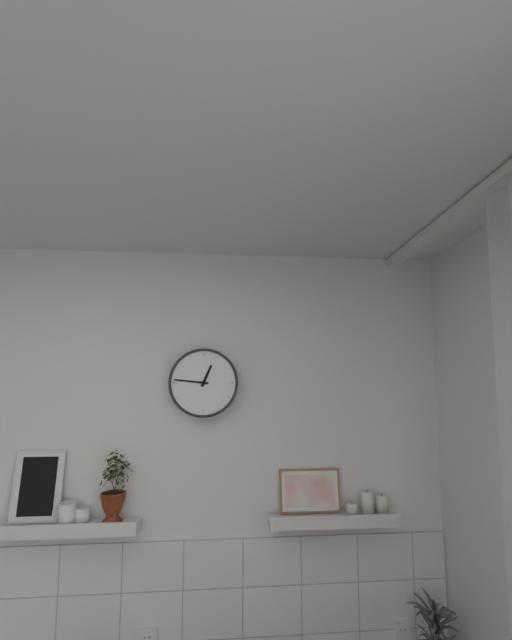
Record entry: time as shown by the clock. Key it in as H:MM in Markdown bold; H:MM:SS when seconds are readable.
**12:46**
